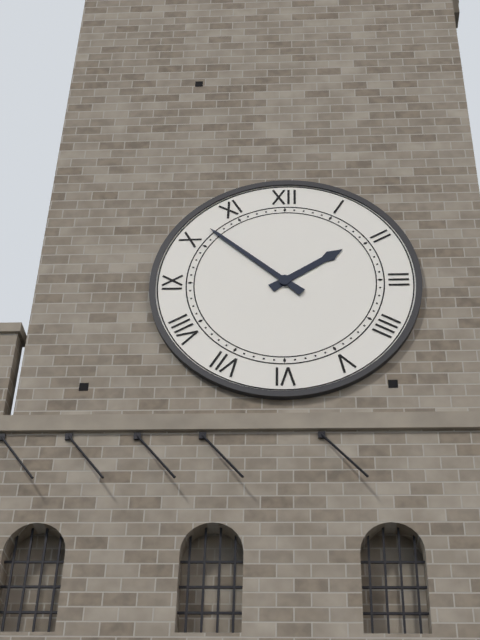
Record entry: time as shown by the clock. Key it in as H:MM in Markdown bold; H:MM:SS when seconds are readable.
**1:52**
